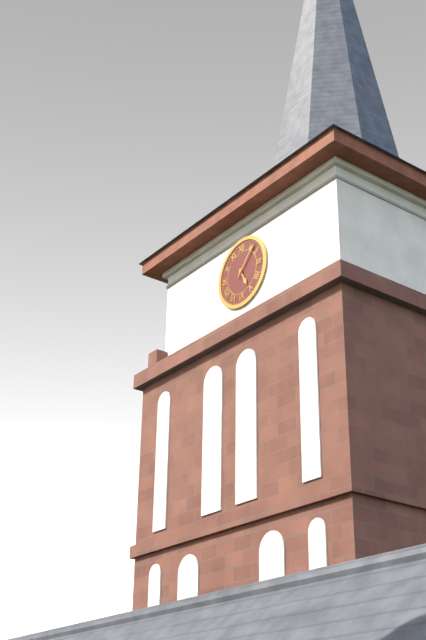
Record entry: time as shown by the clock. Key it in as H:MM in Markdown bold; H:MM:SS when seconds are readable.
**5:07**
